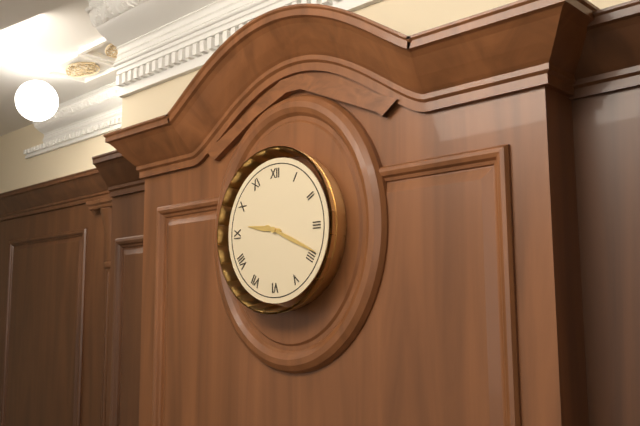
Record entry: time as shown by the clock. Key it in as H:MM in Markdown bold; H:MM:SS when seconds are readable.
**9:19**
